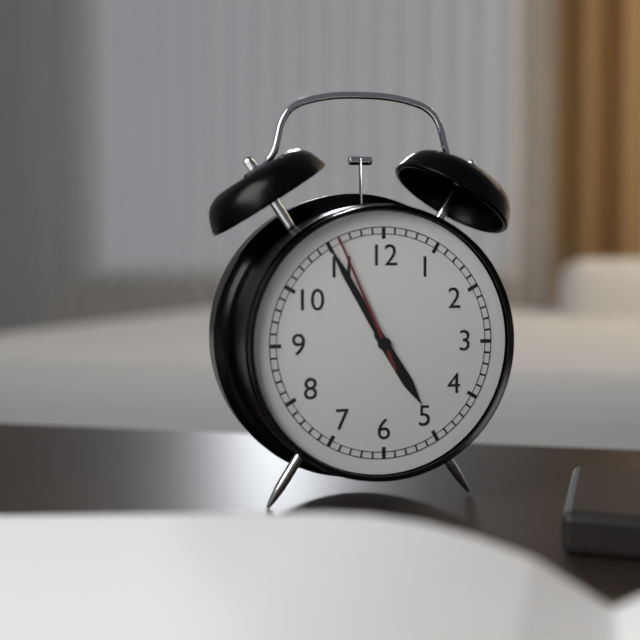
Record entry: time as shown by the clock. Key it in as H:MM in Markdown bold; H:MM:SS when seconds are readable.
**4:55:56**
